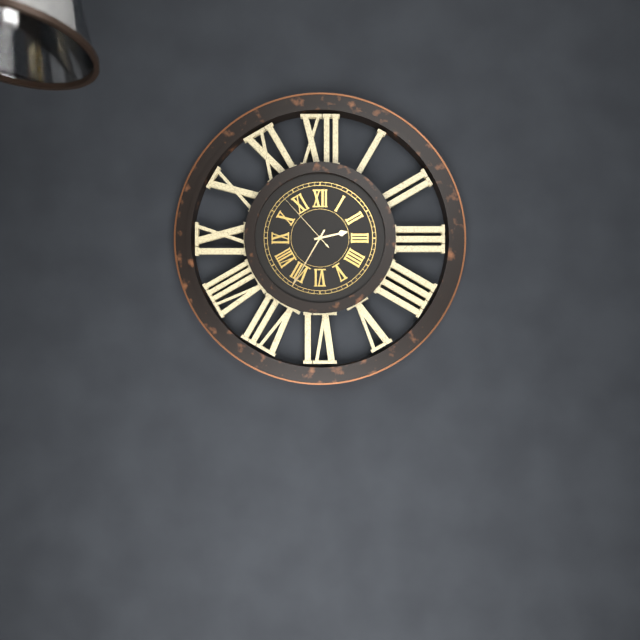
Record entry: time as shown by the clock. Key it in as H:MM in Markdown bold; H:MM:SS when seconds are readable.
**2:35:53**
